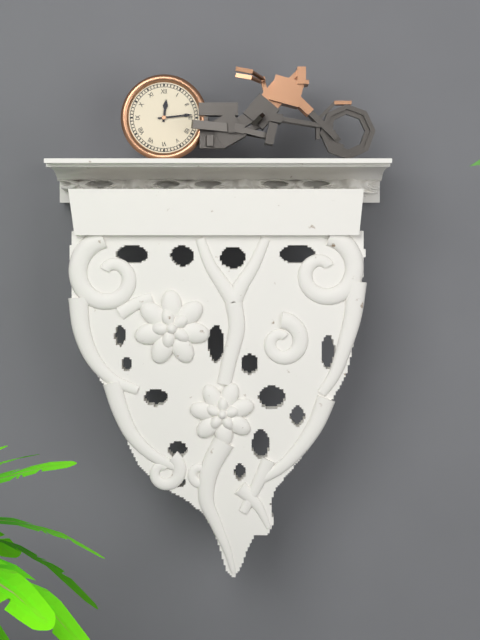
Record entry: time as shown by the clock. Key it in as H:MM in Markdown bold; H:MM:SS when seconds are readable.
**12:14**
